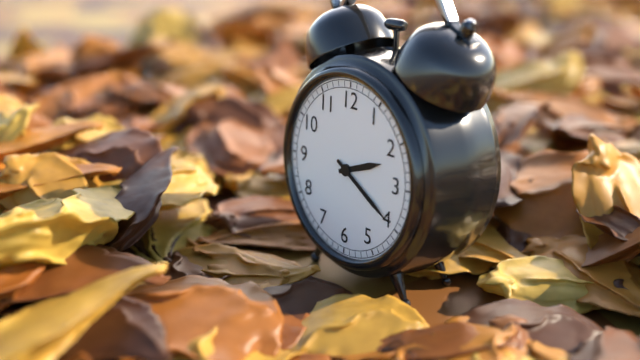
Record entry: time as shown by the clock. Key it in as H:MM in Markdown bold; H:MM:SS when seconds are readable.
**2:20**
